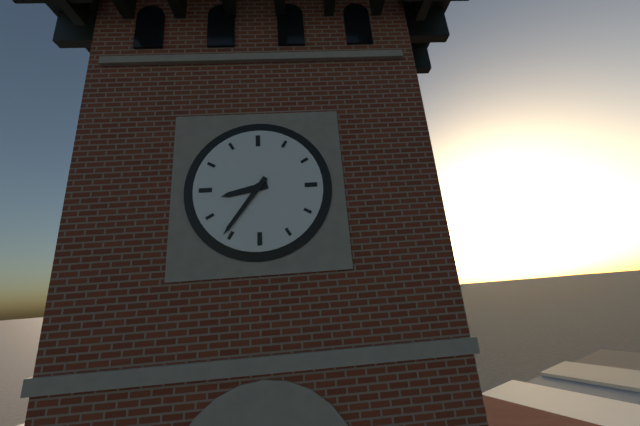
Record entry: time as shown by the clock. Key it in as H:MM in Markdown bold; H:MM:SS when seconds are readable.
**8:36**
